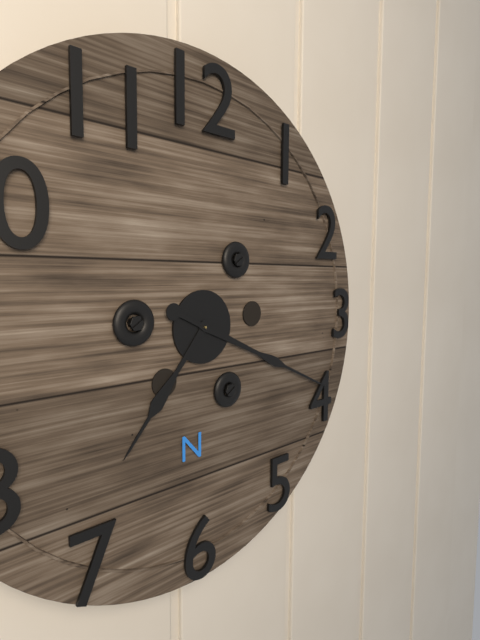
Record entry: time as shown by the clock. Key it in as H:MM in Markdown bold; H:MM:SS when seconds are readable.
**7:19**
